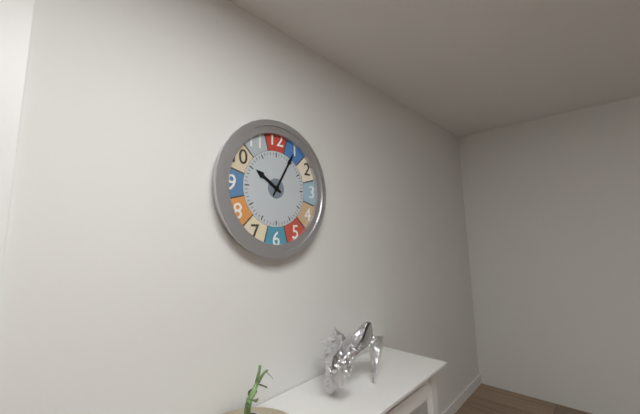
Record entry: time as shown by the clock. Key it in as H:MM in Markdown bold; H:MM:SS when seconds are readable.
**10:05**
